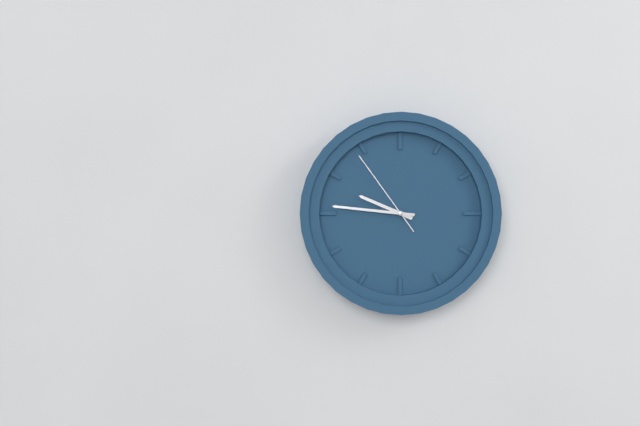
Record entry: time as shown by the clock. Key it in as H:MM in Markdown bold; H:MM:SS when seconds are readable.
**9:46:54**
